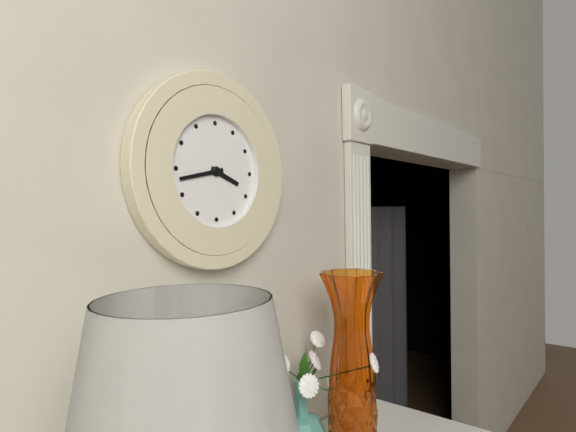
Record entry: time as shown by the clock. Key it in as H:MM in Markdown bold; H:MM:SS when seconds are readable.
**3:43**
